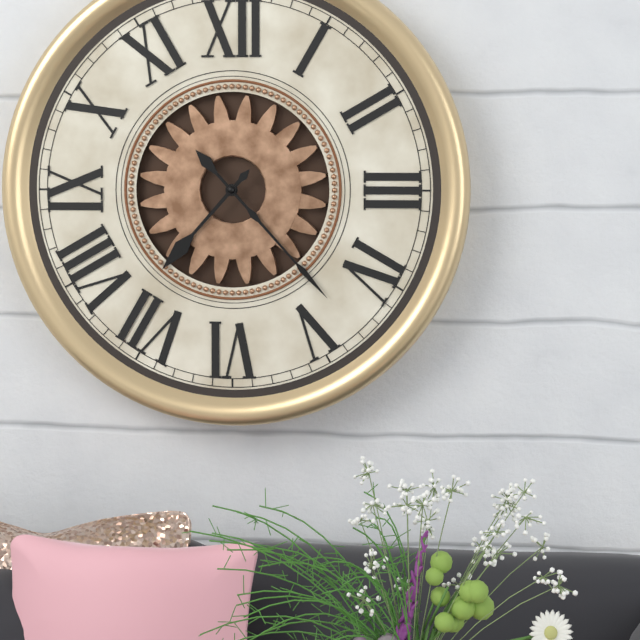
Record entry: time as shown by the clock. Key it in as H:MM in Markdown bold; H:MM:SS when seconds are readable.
**7:23**
